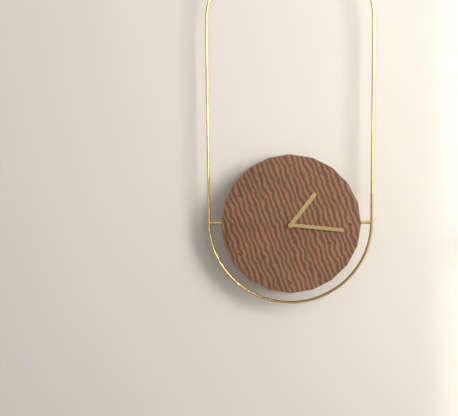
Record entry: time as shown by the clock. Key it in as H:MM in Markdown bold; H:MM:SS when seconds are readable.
**1:16**
